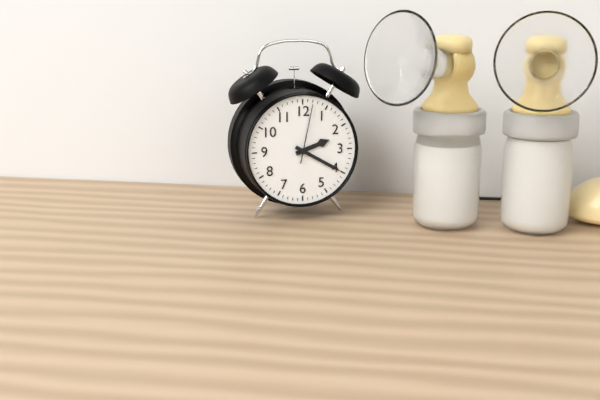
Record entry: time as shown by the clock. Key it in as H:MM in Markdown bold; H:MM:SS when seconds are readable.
**2:20:02**
